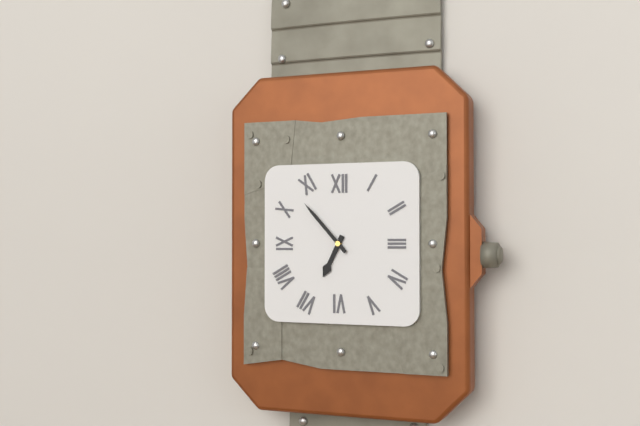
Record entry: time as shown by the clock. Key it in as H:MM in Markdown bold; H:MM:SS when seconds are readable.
**6:53**
